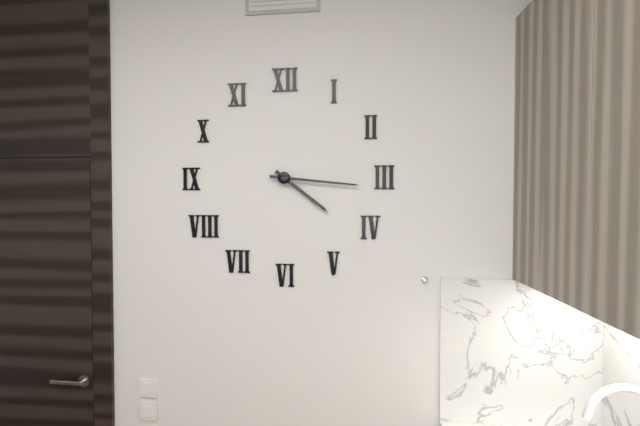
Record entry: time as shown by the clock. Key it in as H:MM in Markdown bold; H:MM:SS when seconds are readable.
**4:16**
